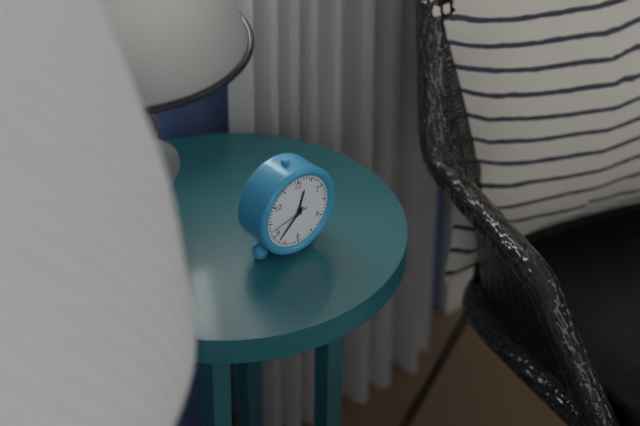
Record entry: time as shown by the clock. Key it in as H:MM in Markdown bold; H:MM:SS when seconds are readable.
**12:38**
